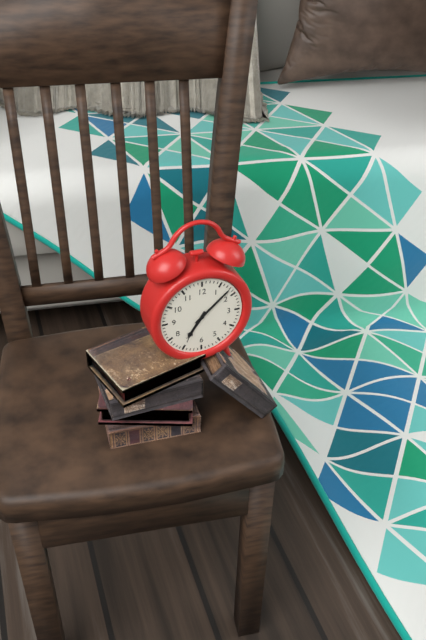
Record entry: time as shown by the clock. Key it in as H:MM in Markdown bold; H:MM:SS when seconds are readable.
**7:08**
